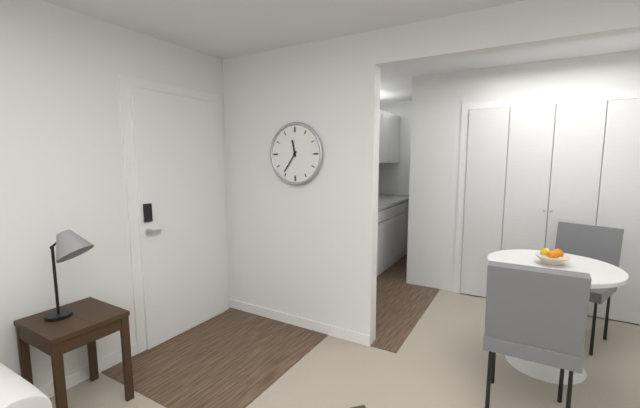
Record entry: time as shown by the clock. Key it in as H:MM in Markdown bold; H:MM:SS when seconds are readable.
**11:36**
